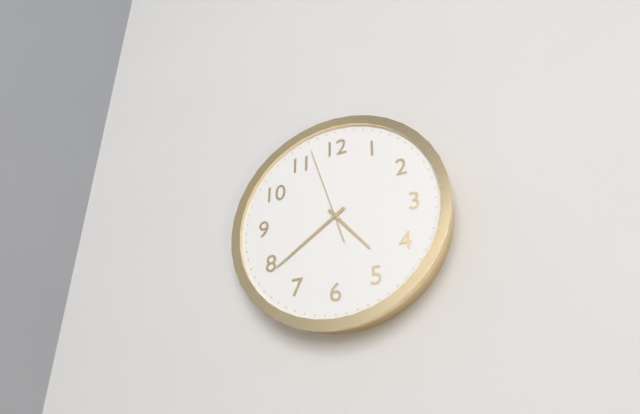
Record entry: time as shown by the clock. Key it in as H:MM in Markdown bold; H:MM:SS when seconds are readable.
**4:39:57**
